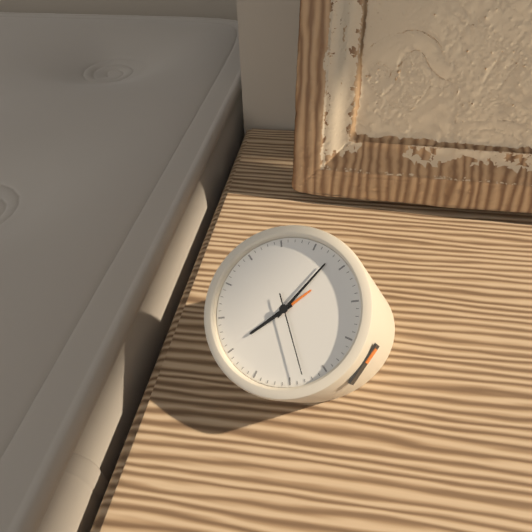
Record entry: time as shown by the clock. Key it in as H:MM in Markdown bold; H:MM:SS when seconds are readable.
**7:03:23**
